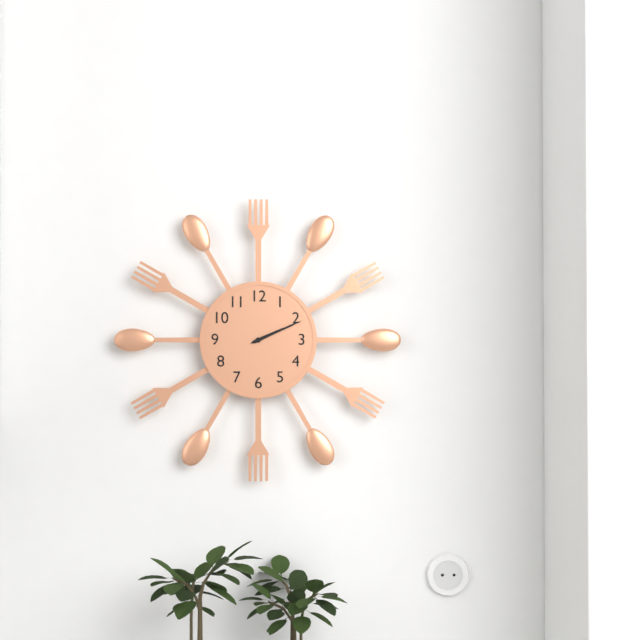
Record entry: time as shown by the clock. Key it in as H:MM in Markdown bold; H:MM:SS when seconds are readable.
**2:11**
